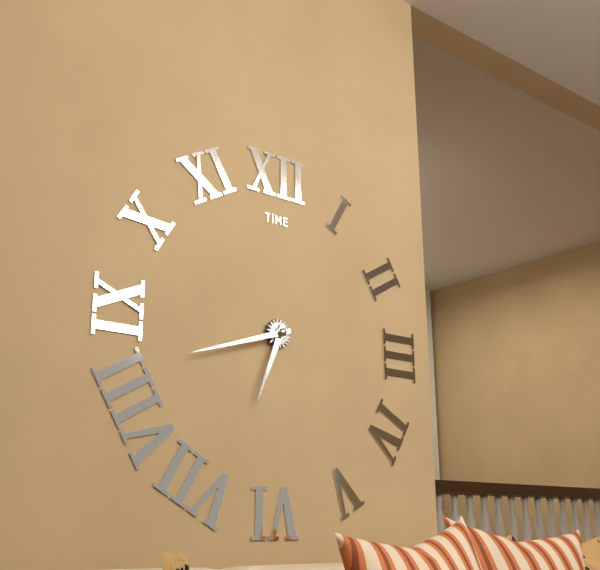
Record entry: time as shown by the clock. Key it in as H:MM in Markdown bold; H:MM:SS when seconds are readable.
**6:42**
